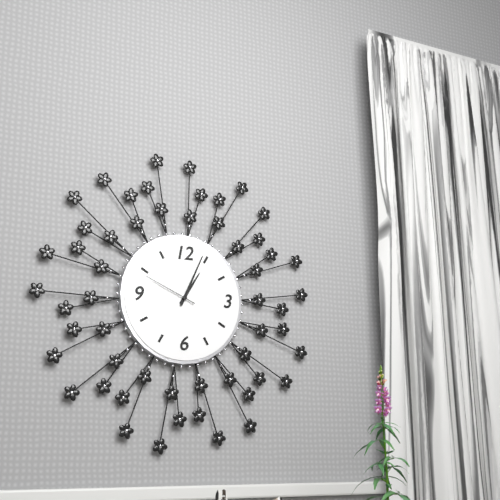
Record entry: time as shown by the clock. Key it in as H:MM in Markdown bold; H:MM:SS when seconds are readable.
**1:04:49**
